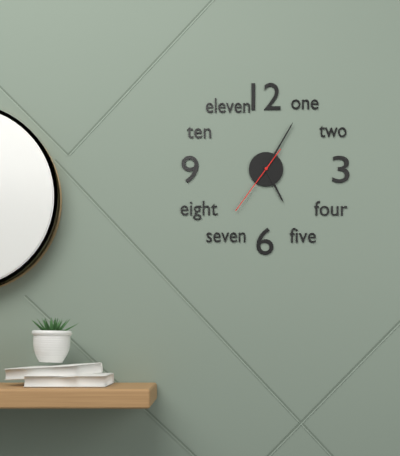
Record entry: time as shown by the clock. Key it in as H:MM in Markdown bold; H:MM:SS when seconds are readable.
**5:05:36**
